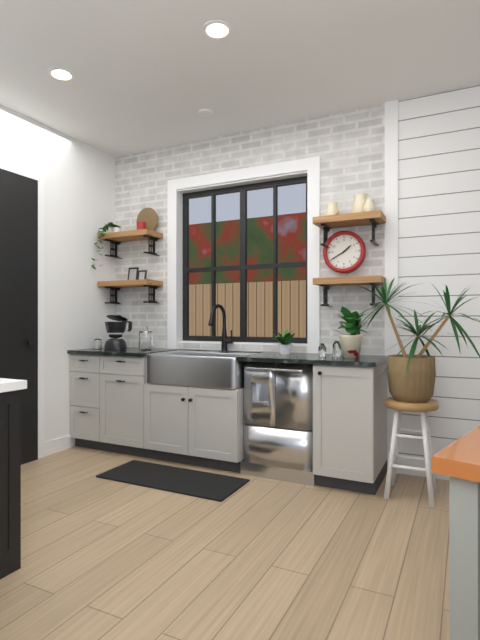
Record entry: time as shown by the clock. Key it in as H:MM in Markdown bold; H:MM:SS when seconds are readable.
**1:40**
